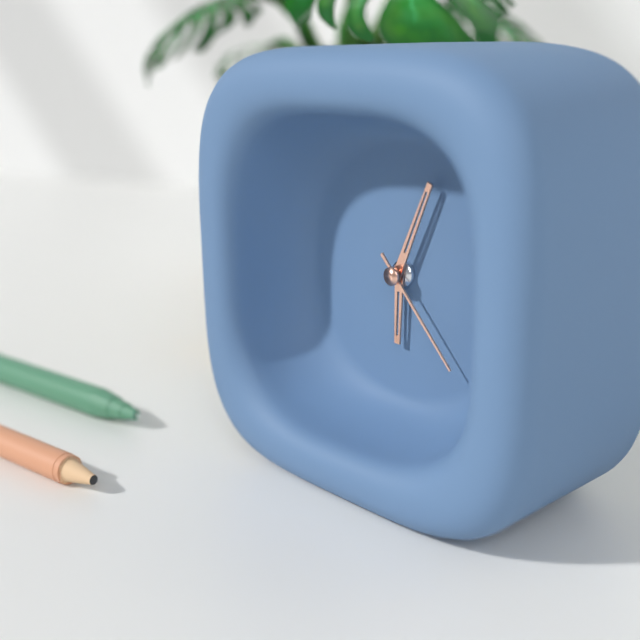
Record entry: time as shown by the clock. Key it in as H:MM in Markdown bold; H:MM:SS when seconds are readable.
**6:04:23**
